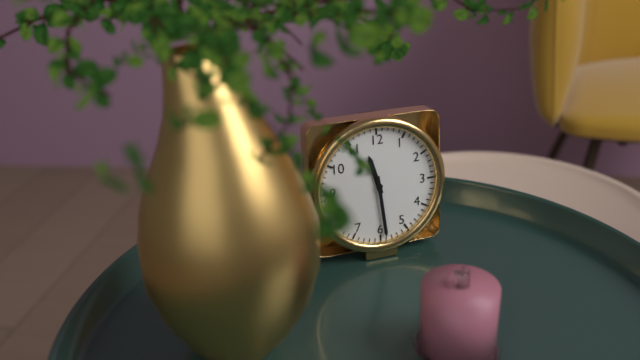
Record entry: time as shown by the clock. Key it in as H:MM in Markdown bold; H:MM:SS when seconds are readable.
**11:29**
